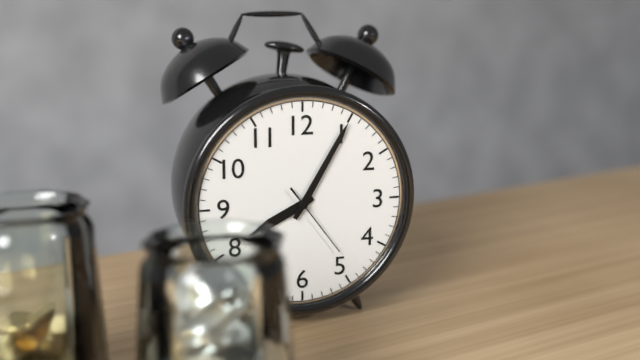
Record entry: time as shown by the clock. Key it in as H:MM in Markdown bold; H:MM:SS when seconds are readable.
**8:05:24**
